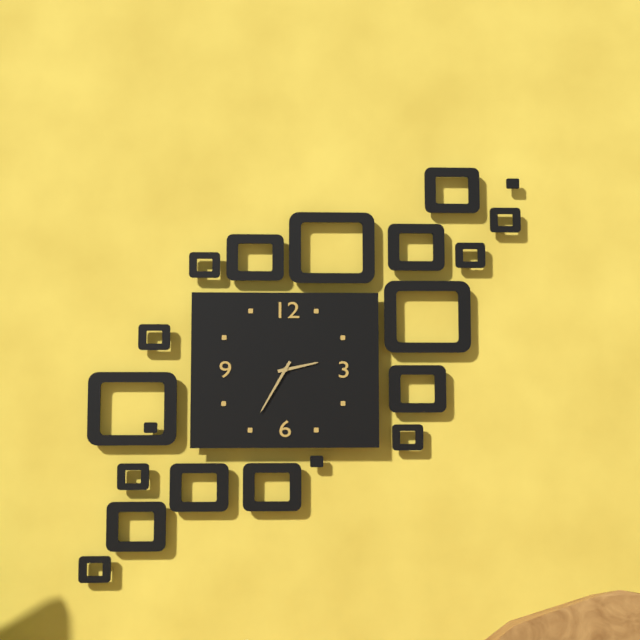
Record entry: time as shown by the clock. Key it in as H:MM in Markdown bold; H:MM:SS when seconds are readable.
**2:35**
